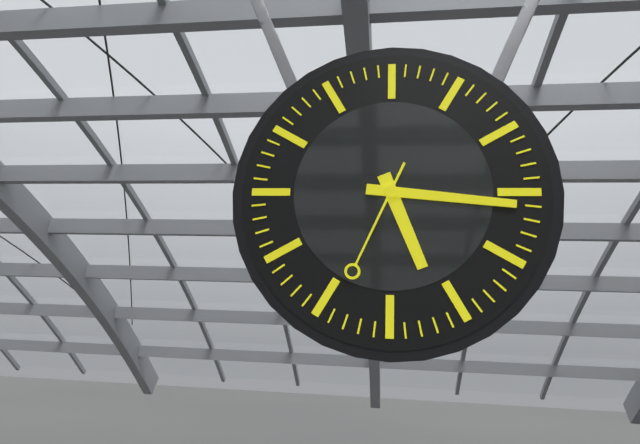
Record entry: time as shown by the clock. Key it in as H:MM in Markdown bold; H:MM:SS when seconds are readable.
**5:16:34**
